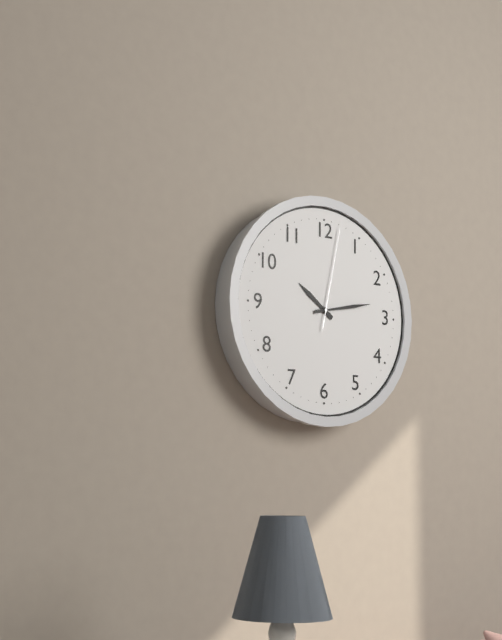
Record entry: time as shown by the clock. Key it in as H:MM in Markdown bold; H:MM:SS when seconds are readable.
**10:13:02**
